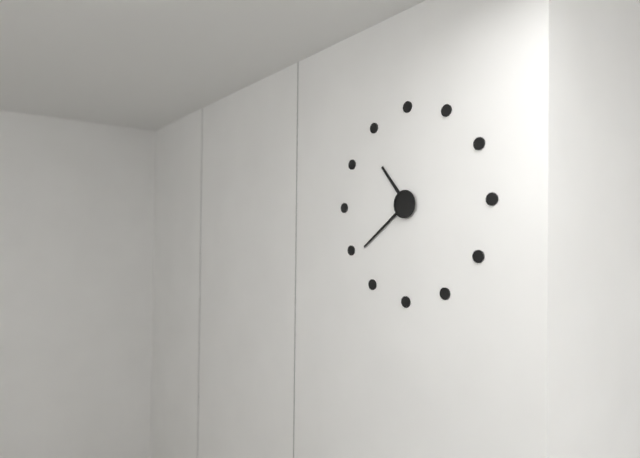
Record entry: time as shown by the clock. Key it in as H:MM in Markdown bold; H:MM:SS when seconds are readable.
**10:39**
